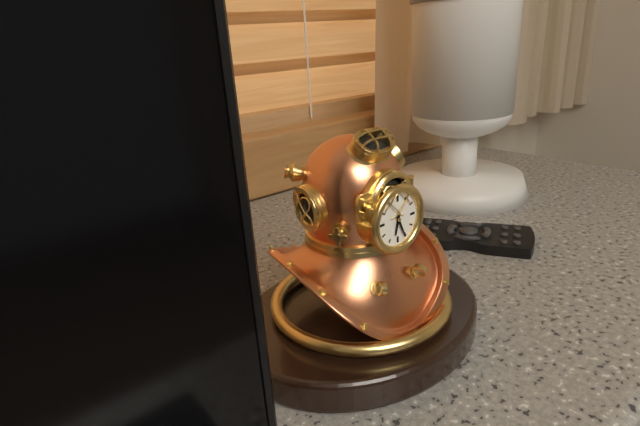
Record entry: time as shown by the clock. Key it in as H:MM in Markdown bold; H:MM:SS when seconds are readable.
**6:26**
